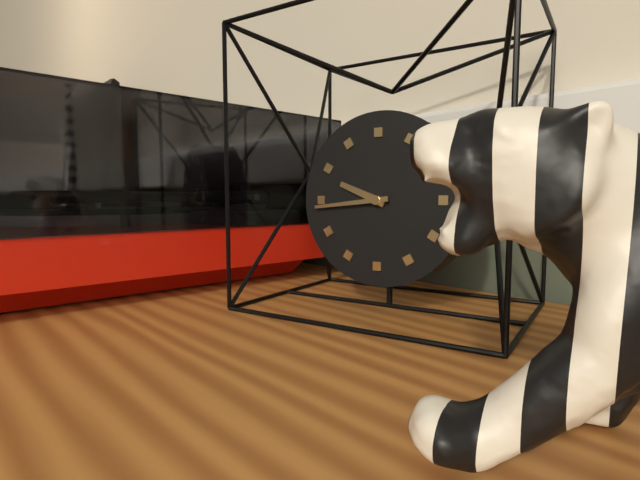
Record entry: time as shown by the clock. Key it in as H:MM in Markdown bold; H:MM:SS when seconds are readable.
**9:44**
